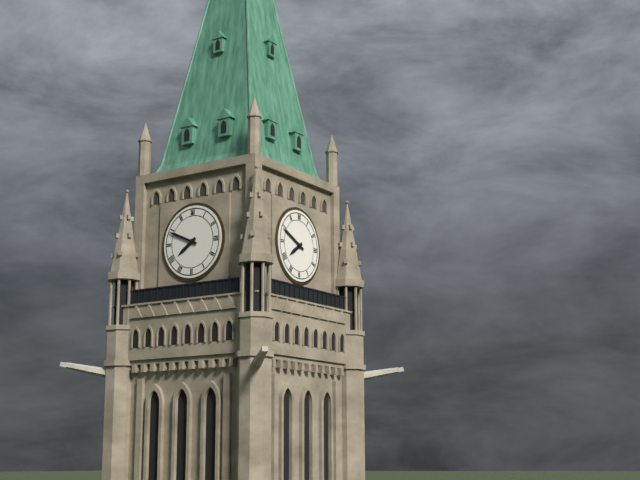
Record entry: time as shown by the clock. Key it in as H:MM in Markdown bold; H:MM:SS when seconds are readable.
**7:49**
